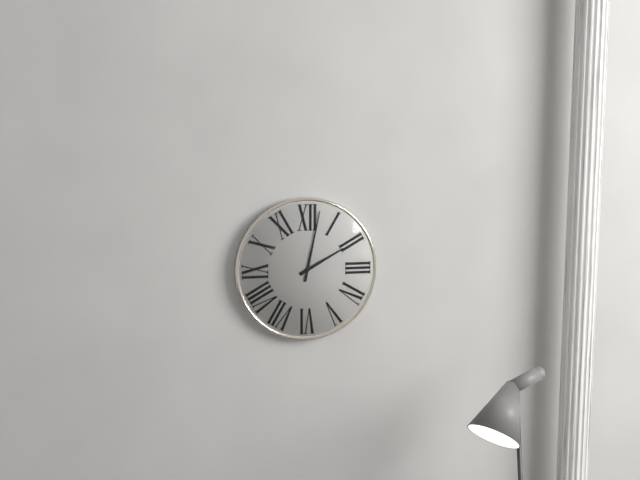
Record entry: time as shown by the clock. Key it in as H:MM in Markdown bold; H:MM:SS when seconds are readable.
**2:02**
